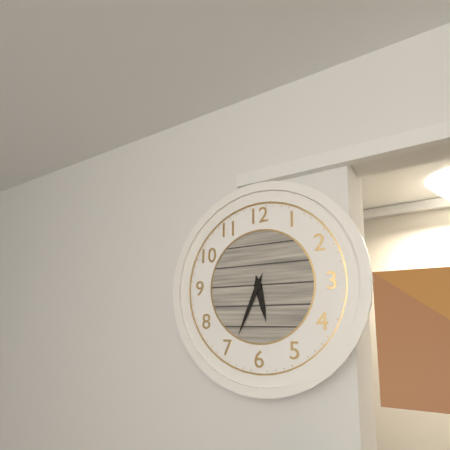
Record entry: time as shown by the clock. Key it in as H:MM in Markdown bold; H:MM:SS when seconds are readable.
**5:34**
